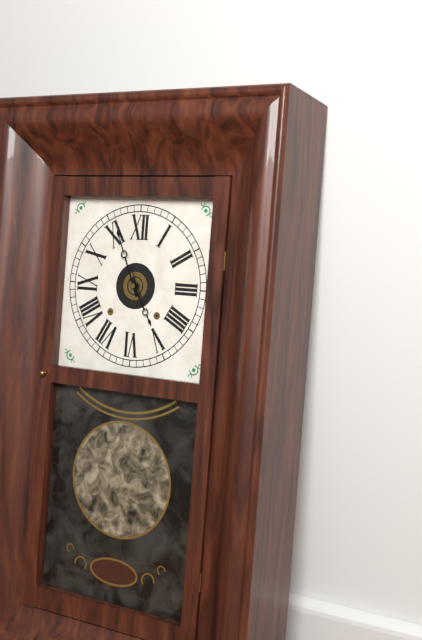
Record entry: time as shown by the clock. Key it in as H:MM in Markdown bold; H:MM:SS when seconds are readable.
**4:56**
